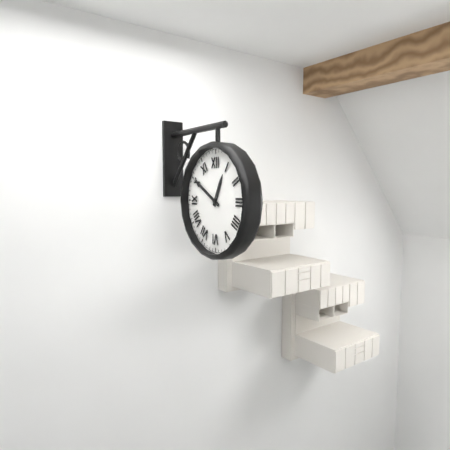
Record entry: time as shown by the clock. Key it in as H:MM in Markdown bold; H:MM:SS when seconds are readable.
**12:50**
